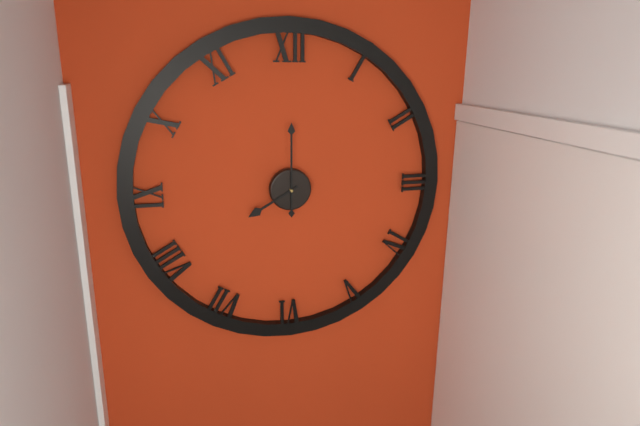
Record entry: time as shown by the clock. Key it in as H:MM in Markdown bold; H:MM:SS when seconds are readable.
**8:00**
